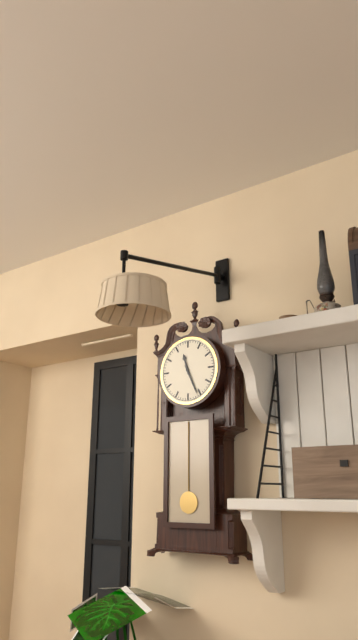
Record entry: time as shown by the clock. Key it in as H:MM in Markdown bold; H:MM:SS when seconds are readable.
**11:26**
